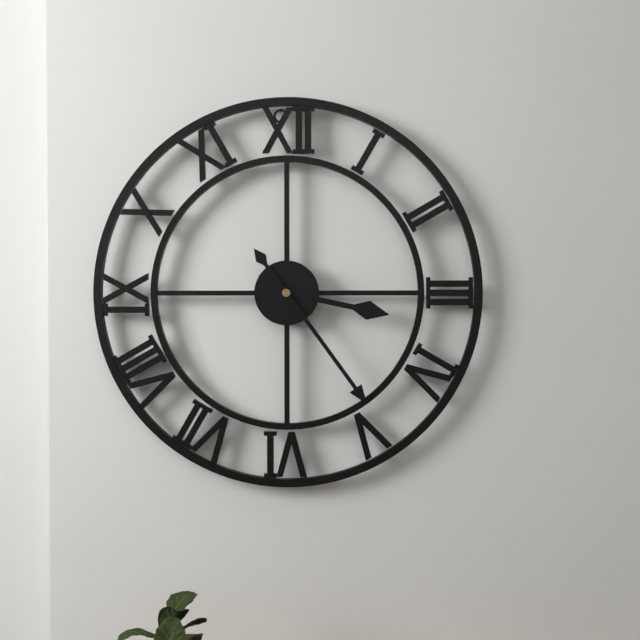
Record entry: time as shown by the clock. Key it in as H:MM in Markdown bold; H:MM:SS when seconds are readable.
**3:24**
